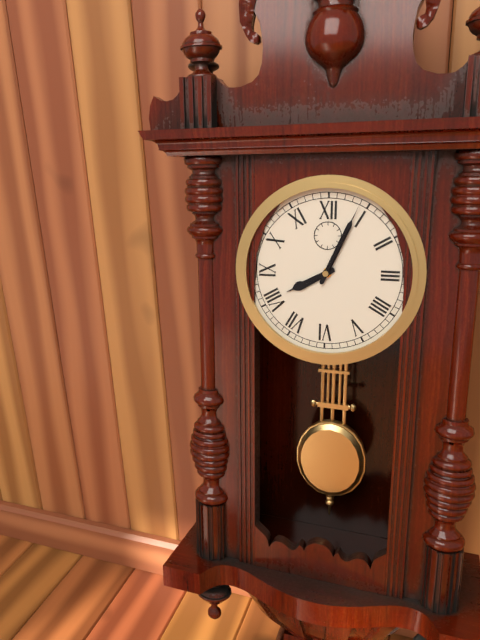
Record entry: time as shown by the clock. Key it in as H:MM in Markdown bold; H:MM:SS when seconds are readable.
**8:04**
